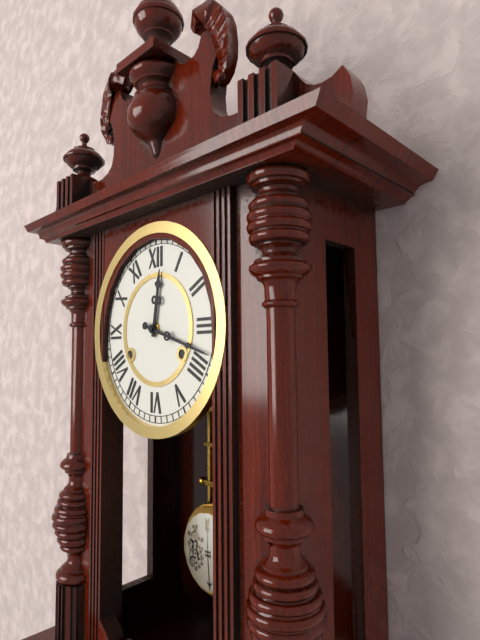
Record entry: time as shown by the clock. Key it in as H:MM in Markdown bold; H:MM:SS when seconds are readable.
**12:18**
